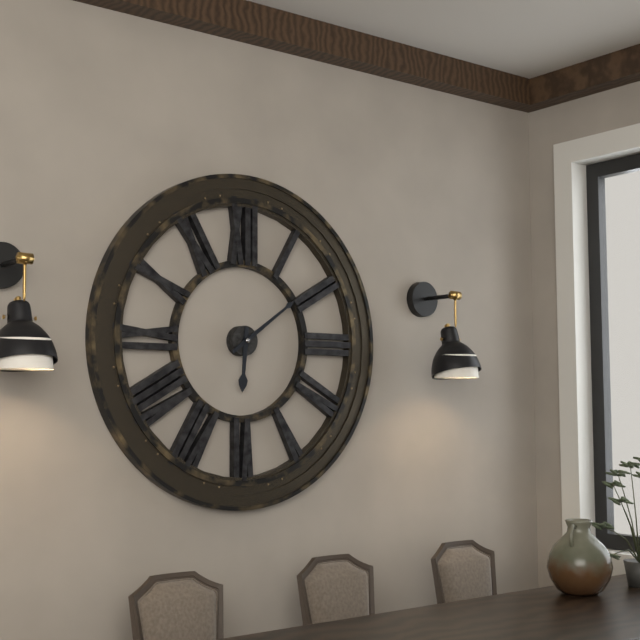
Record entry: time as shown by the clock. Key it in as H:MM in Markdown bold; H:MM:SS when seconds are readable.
**6:09**
